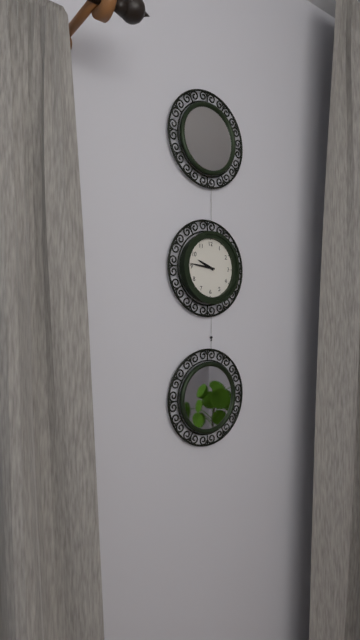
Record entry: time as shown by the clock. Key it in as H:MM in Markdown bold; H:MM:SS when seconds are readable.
**9:46**
